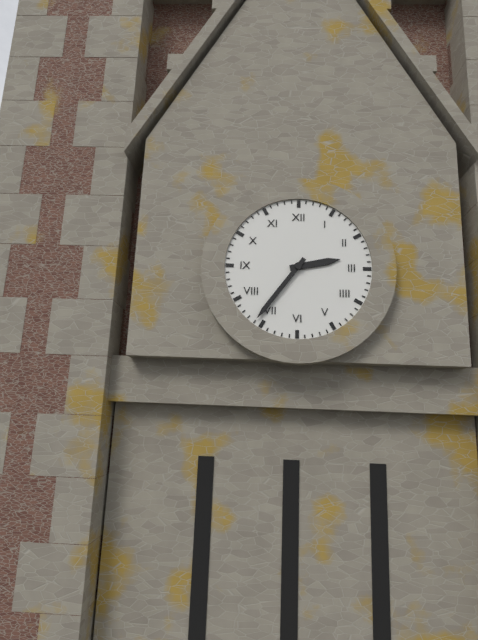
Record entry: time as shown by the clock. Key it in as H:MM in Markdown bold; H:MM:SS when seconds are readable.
**2:36**
